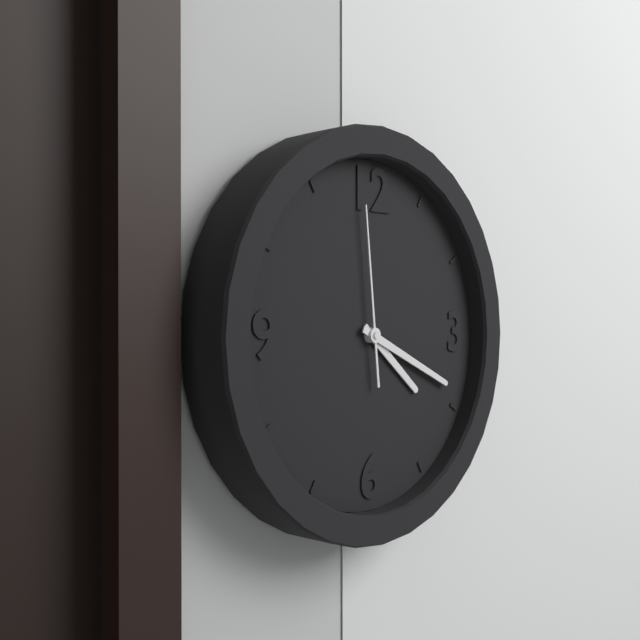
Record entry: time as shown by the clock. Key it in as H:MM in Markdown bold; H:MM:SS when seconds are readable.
**4:19:59**
